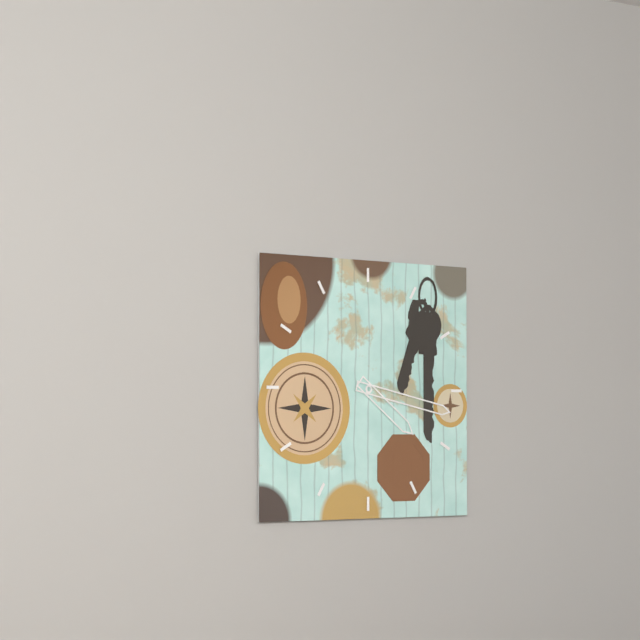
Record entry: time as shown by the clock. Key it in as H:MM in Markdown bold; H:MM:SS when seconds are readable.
**4:17**
